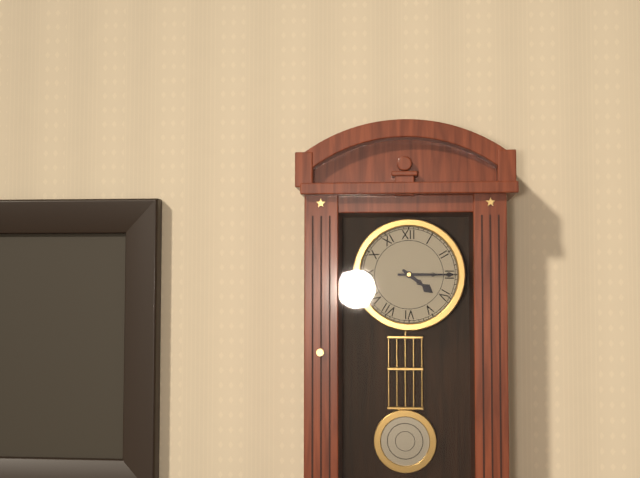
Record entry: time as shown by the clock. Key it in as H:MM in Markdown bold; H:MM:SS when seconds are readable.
**4:15**
